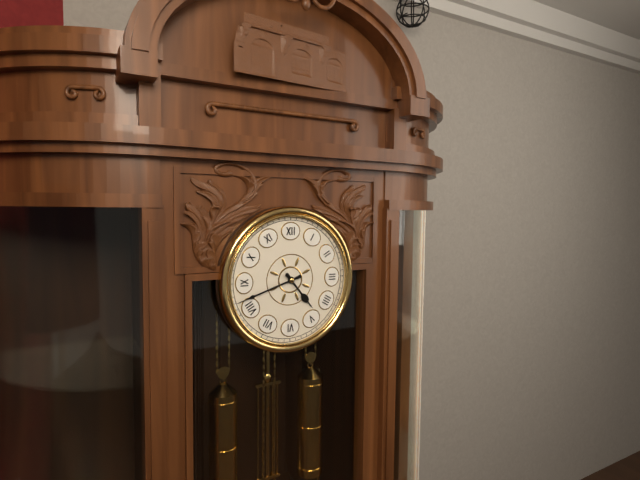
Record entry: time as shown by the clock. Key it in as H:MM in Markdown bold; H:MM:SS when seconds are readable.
**4:42**
